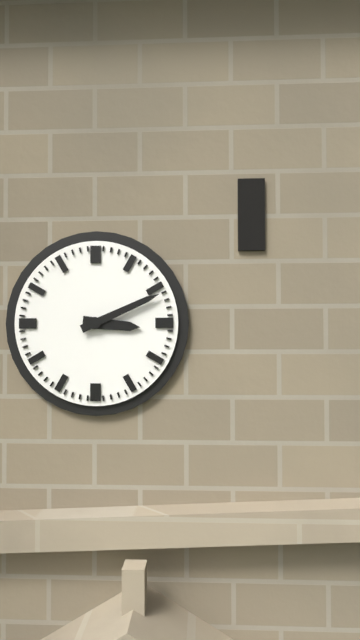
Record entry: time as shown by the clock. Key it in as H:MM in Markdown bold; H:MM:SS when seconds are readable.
**3:11**
